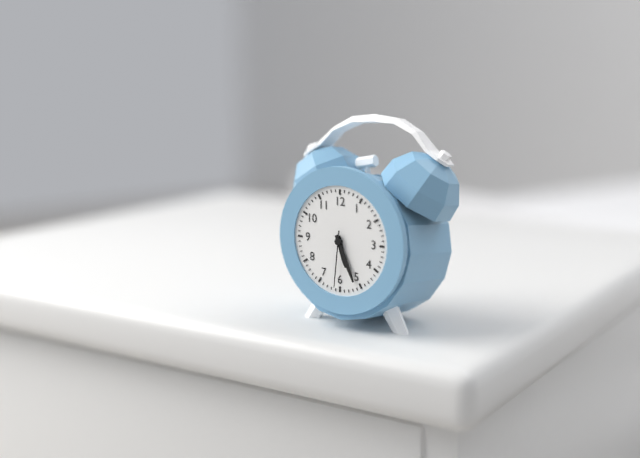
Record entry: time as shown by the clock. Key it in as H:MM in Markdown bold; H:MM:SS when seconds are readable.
**5:26:31**
